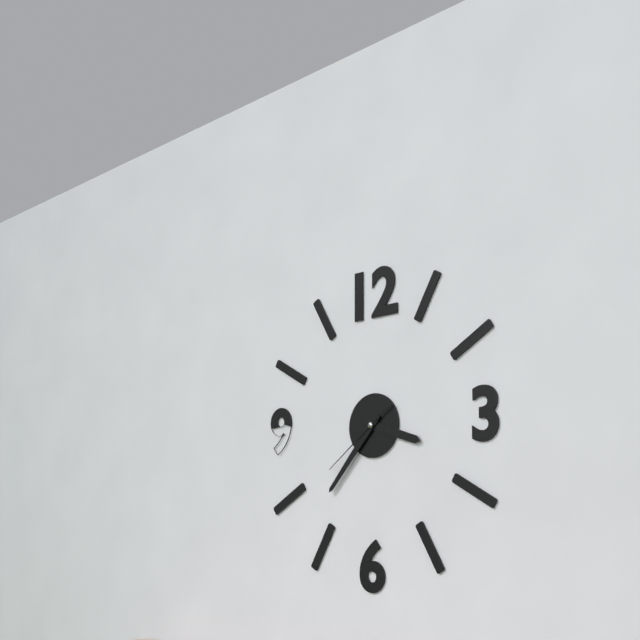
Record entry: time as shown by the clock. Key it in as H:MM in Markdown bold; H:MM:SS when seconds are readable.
**3:37:39**
